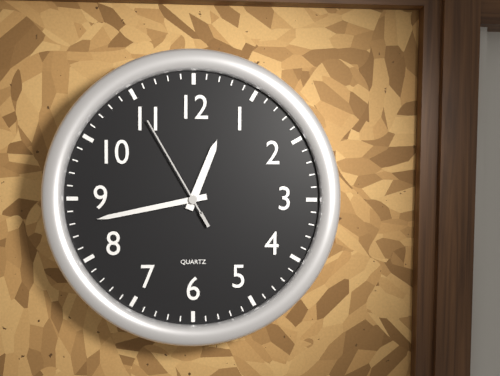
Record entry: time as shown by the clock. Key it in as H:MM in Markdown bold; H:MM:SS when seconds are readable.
**12:43:55**
